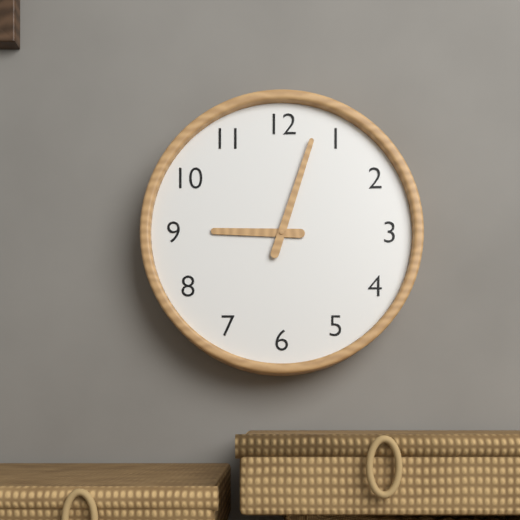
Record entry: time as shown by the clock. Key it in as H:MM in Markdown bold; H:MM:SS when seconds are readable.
**9:03**
